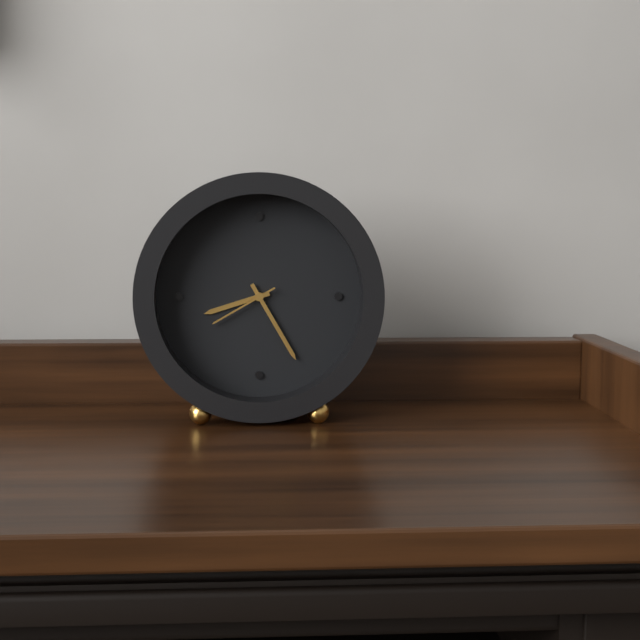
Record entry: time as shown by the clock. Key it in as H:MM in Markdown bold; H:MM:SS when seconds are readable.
**8:25:40**
